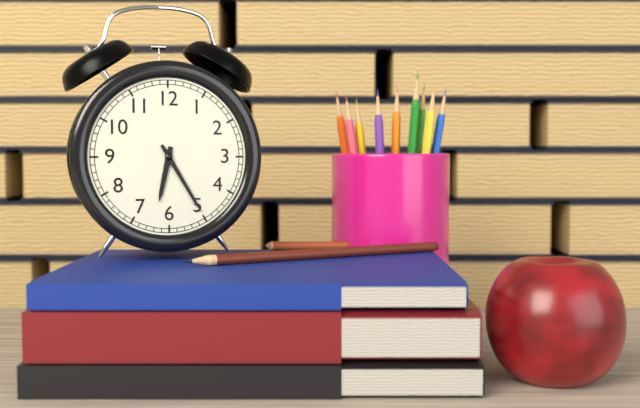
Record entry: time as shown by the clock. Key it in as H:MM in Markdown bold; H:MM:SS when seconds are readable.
**6:25**
